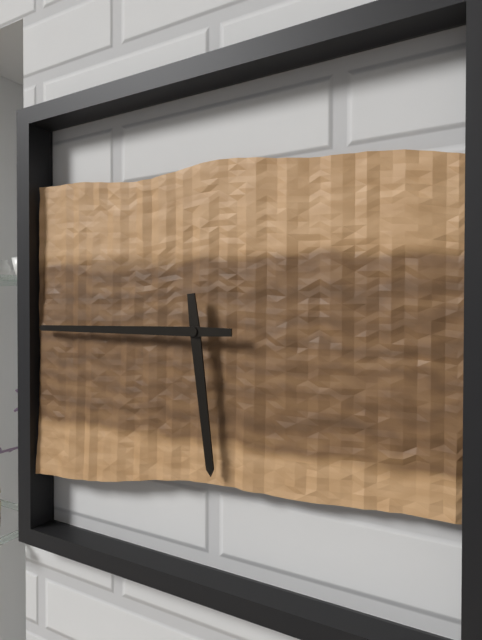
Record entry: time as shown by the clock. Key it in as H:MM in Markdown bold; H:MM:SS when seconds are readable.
**5:45**
